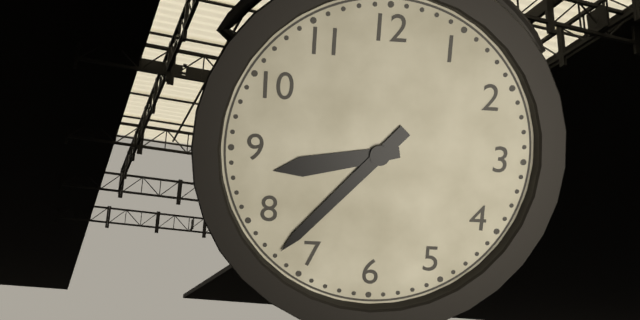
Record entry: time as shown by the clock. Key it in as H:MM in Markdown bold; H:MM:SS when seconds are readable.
**8:37**
